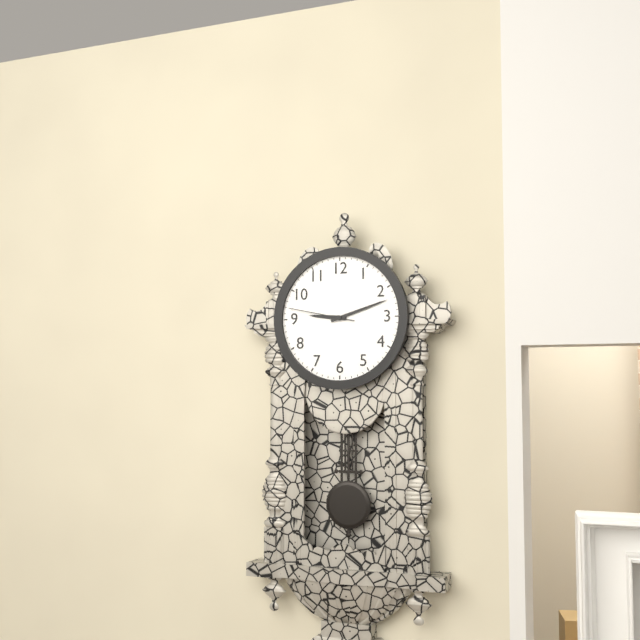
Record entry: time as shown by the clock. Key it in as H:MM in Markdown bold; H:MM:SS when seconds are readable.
**9:12:47**
